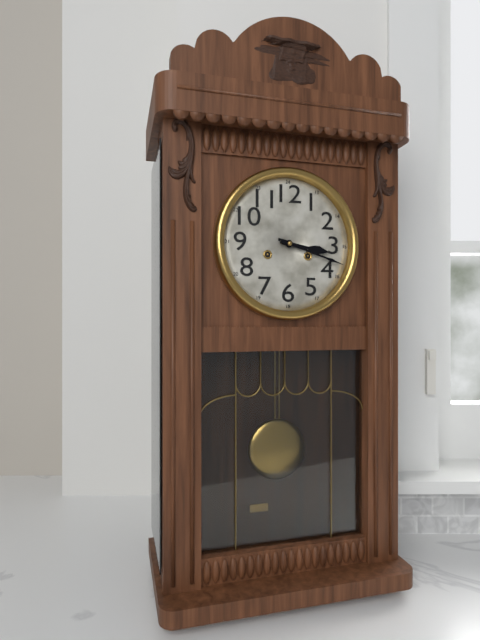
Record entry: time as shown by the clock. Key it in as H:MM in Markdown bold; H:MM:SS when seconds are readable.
**3:18**
